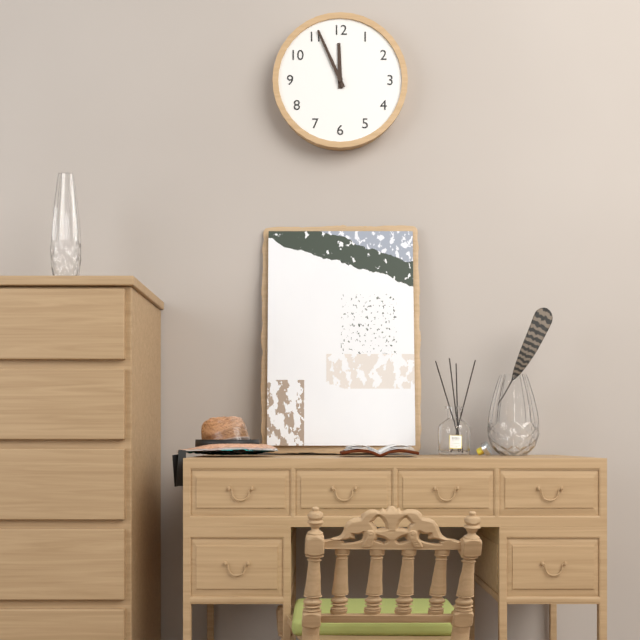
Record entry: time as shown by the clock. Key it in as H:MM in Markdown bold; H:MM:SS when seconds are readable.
**11:56**
